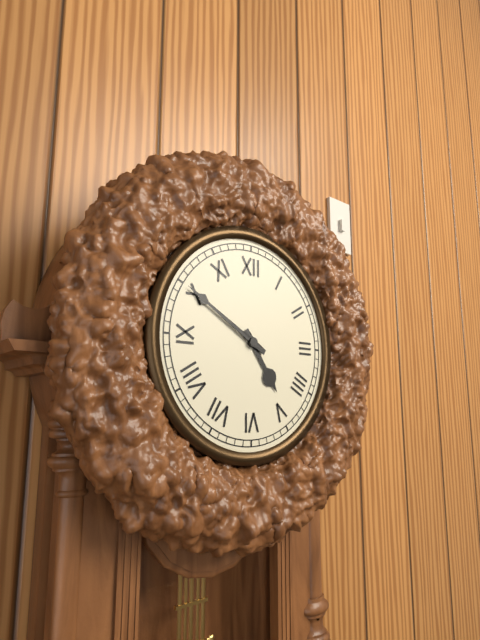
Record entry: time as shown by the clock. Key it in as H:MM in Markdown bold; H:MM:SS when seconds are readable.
**4:50**
